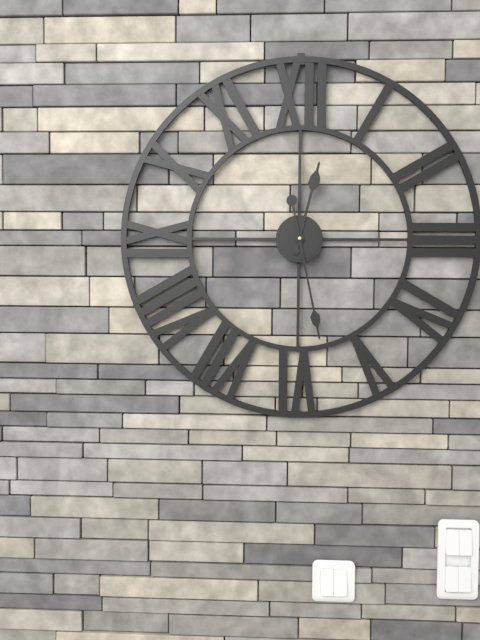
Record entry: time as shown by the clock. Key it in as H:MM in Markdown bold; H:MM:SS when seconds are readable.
**12:28**
